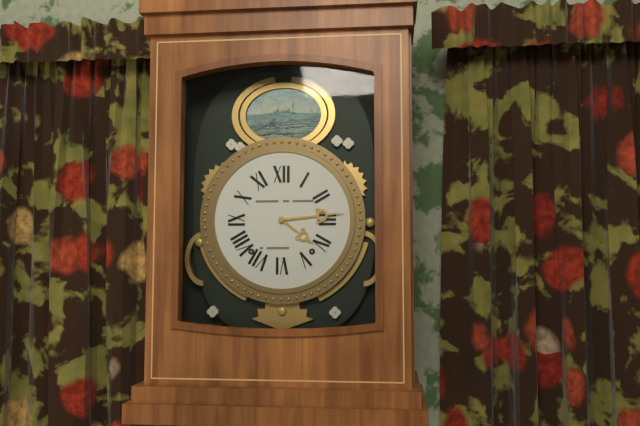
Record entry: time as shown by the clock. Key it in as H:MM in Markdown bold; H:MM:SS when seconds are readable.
**4:14**
